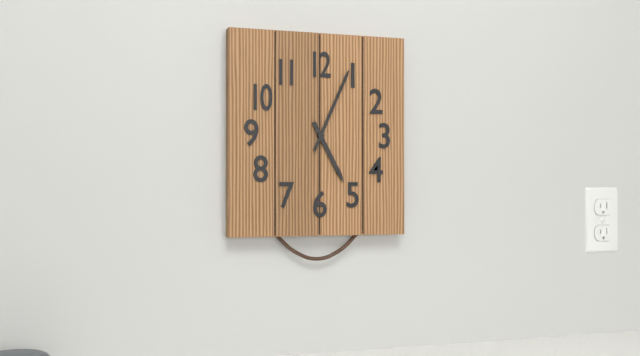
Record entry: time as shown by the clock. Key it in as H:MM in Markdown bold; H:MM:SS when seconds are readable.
**5:04**
